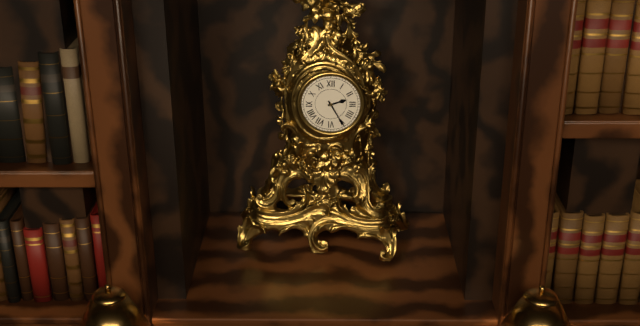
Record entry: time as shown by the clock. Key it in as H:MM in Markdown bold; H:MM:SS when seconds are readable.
**2:25**
